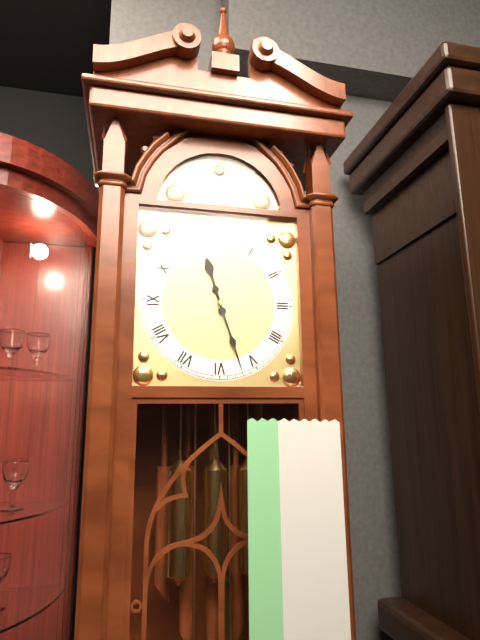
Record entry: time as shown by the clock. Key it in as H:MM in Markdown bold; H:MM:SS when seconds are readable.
**11:27**
